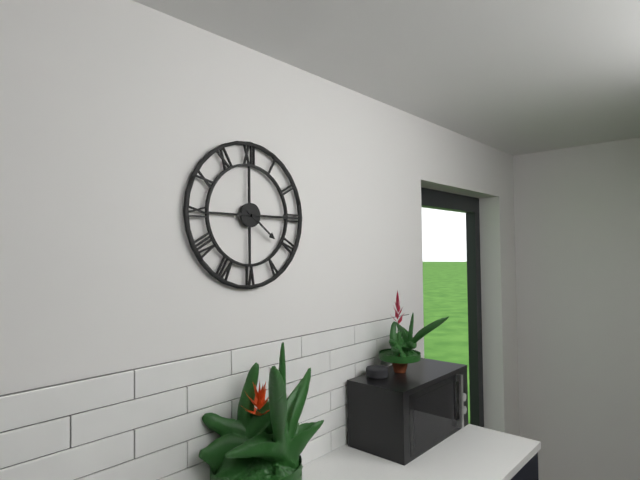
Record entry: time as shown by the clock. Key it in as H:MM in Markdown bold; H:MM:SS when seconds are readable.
**4:15**
